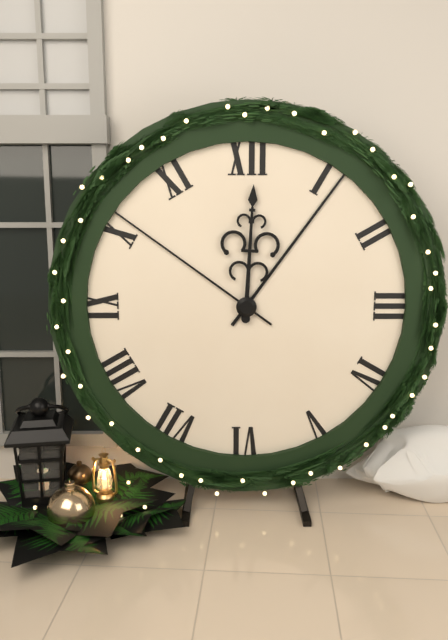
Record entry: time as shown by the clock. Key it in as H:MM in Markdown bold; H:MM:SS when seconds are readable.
**12:06:51**
